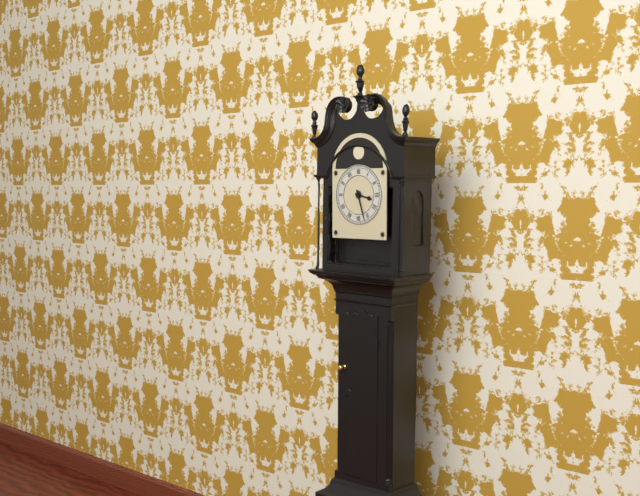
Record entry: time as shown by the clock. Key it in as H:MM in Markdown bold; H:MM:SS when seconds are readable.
**3:27**
